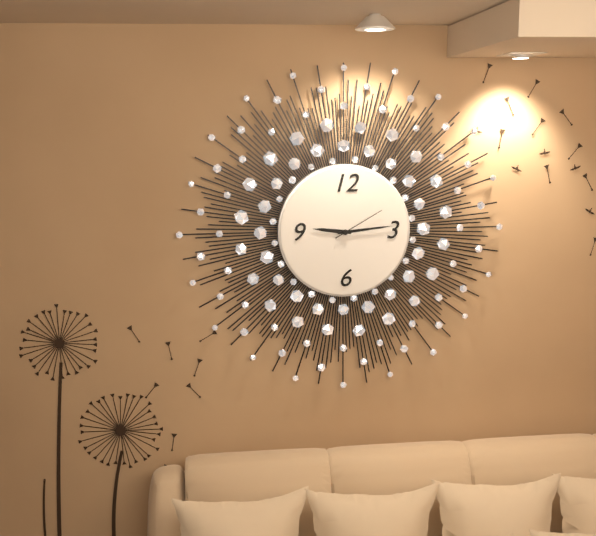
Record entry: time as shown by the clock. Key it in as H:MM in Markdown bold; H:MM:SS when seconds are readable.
**9:14:10**
